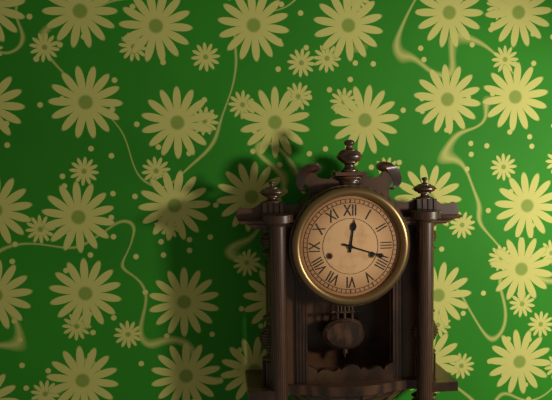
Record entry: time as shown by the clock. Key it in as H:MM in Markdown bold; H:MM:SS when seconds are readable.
**12:18**
